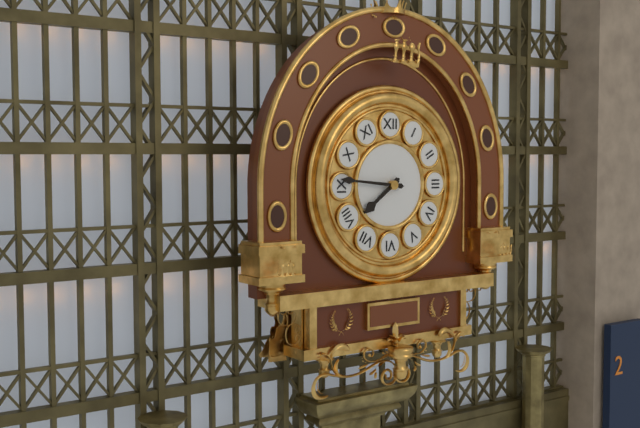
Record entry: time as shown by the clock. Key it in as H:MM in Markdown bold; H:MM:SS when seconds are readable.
**7:46**
